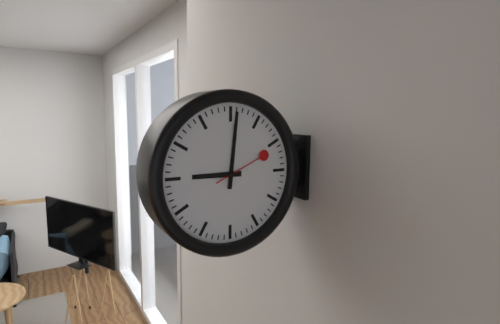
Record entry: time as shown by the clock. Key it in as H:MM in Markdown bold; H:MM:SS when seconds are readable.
**9:01:11**
